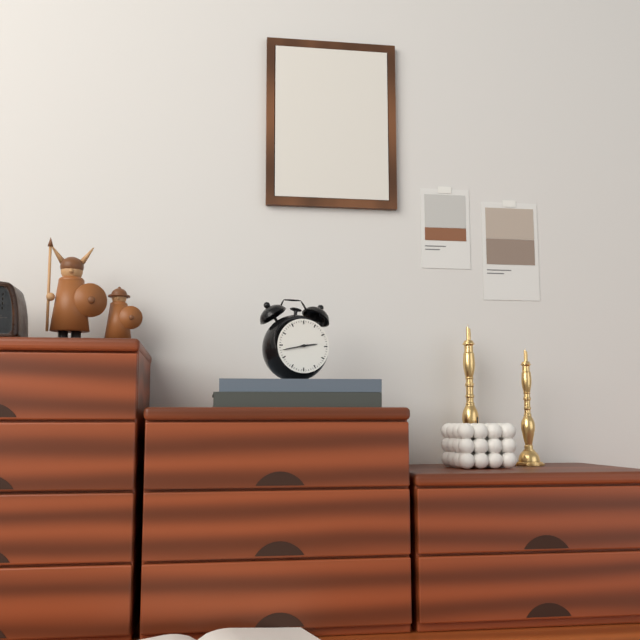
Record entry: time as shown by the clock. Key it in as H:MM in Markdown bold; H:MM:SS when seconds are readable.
**2:43**
